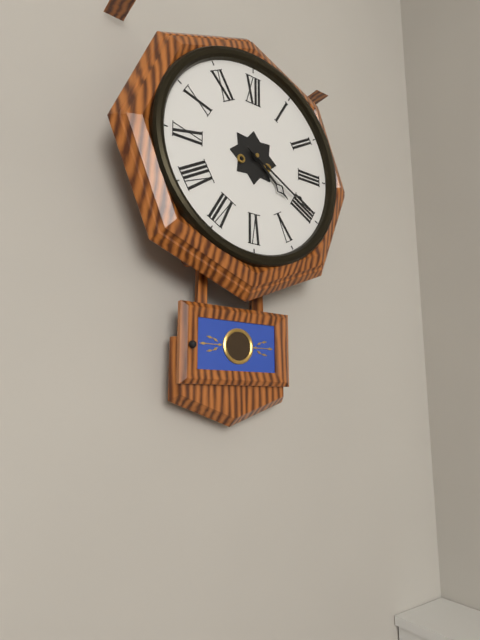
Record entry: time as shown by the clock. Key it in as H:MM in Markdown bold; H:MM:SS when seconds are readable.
**4:20**
